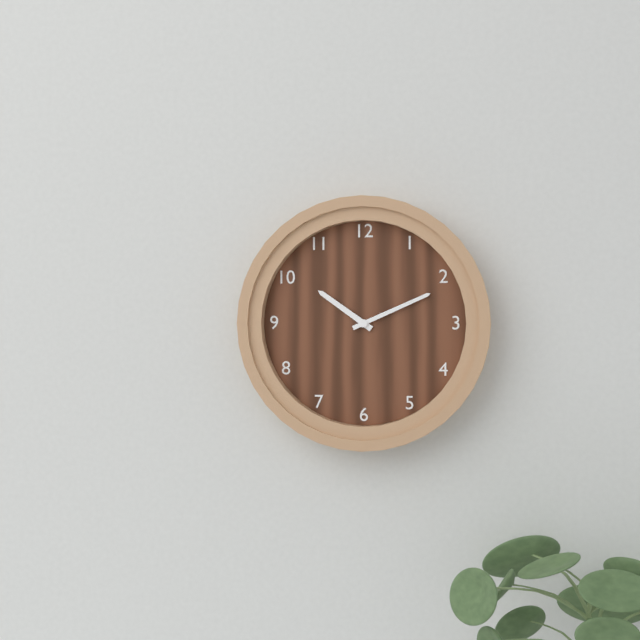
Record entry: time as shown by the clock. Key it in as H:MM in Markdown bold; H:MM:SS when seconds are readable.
**10:11**
